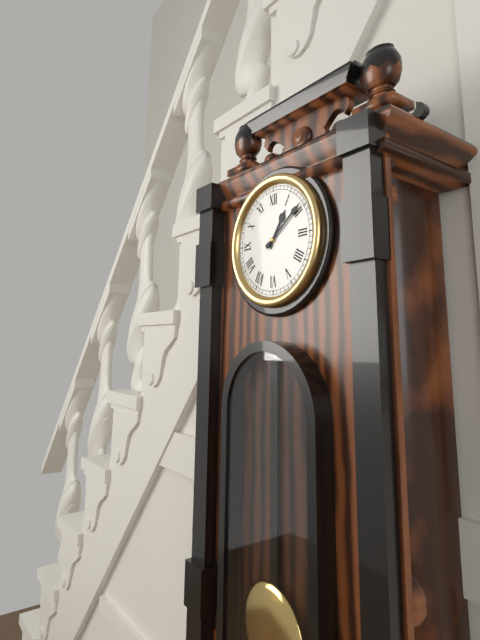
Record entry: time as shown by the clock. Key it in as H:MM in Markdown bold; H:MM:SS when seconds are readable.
**1:09**
